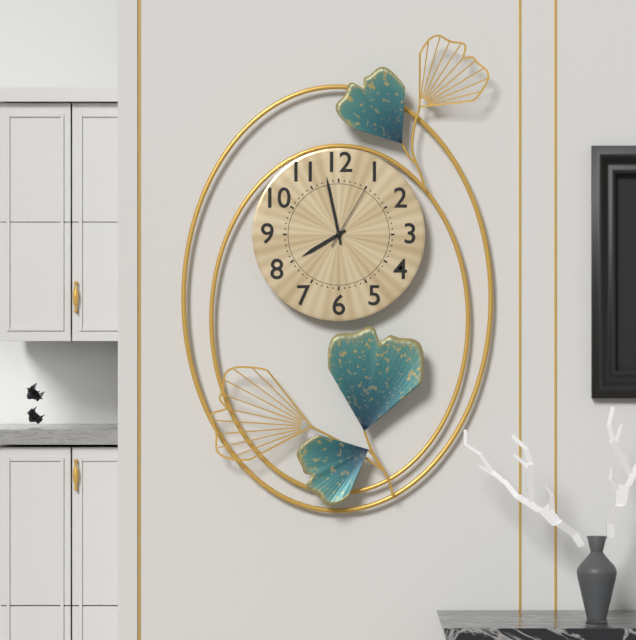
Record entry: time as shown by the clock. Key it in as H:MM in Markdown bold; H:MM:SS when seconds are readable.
**7:58:05**
